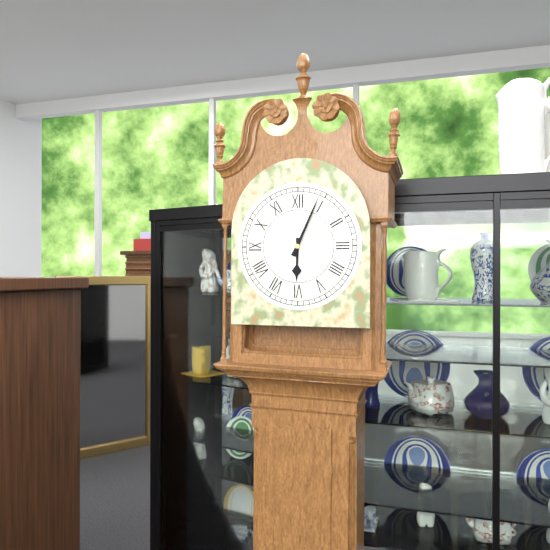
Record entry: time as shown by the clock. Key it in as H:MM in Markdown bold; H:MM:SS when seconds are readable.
**6:04**
